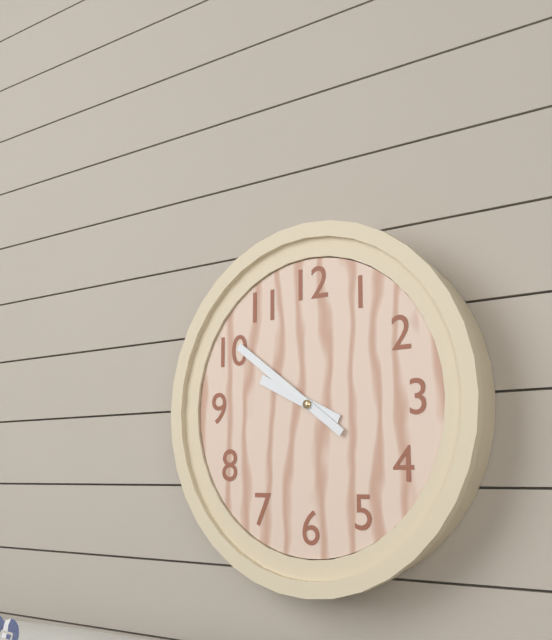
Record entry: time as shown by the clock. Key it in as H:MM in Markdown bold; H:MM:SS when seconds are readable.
**9:51**
